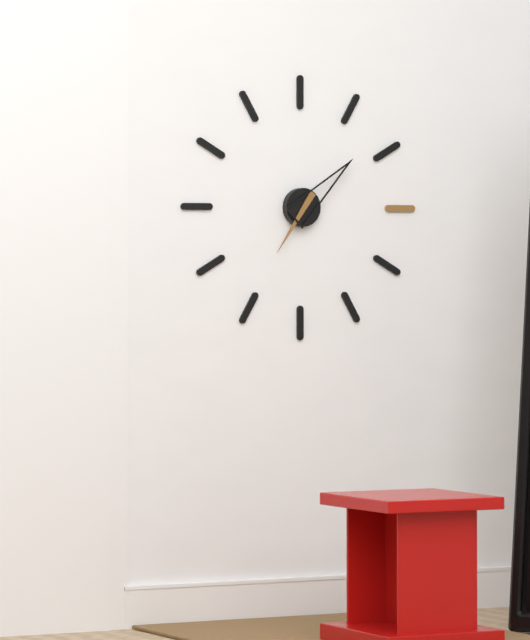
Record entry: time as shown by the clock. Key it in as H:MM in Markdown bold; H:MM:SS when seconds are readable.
**7:08**
